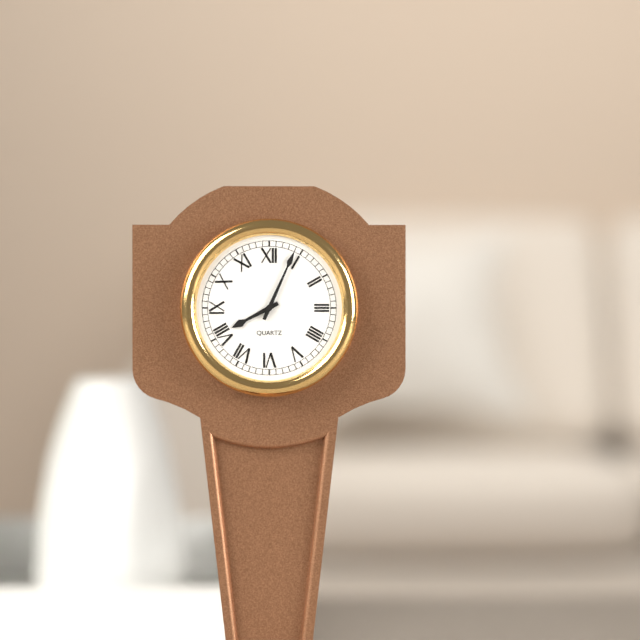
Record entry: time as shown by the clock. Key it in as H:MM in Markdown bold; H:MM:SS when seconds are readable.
**8:04**
